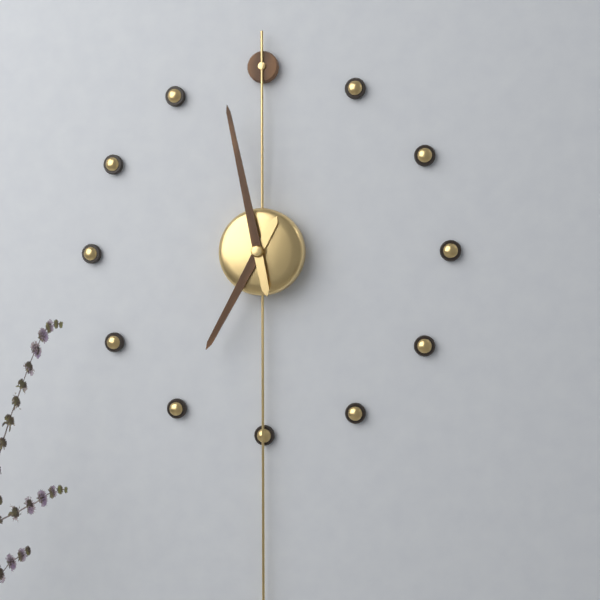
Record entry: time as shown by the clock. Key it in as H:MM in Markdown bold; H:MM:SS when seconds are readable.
**6:58**
